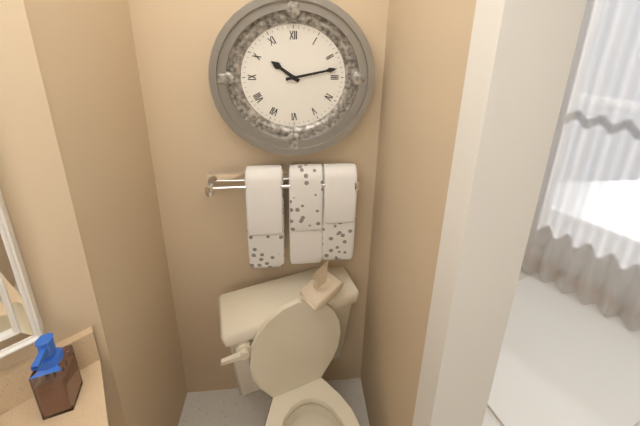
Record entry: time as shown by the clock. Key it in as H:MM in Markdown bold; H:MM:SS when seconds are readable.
**10:13**
